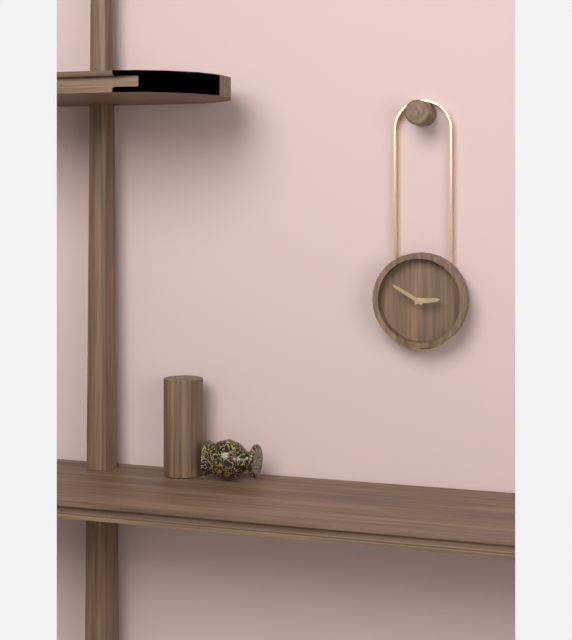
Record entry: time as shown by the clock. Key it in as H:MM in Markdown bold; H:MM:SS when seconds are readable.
**2:50**
